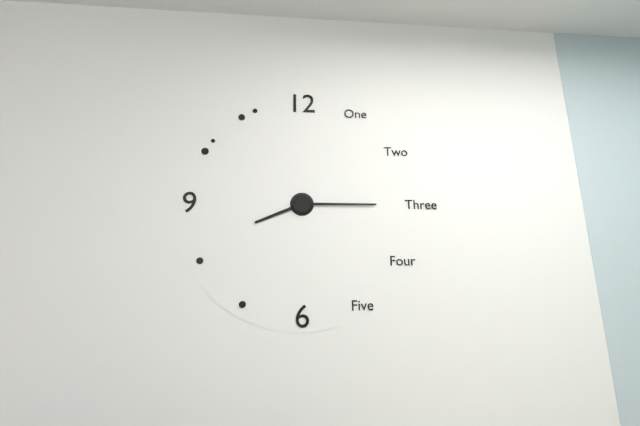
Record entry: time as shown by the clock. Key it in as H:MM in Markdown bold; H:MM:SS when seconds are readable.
**8:15**
